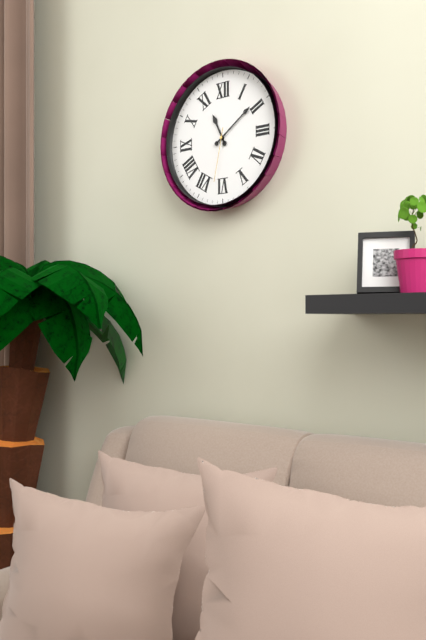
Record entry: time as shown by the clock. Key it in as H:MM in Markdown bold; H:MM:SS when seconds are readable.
**11:09:32**
